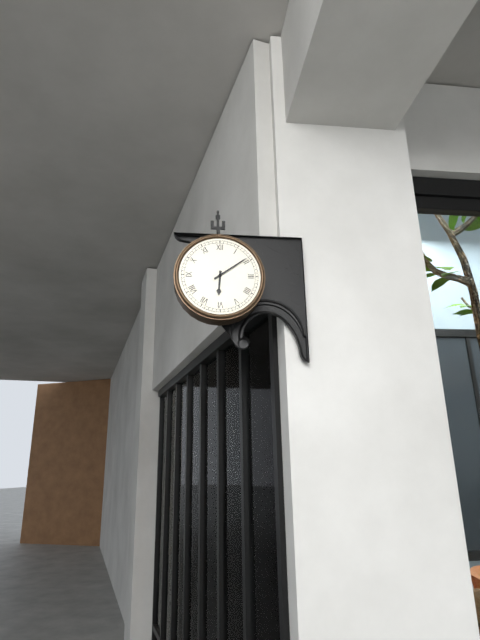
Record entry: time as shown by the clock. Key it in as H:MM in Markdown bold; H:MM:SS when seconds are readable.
**6:09**
